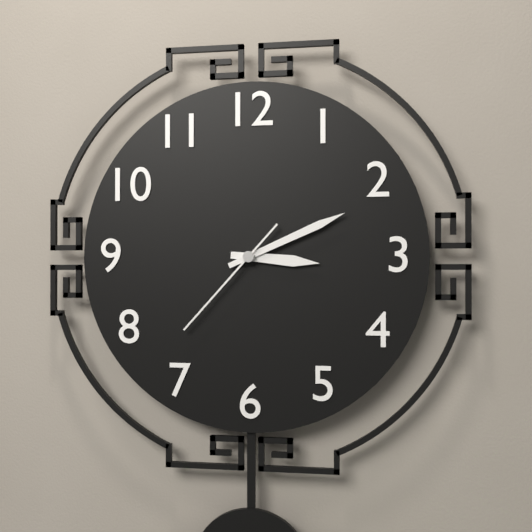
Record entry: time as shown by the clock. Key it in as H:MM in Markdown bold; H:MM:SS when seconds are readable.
**3:11:37**
